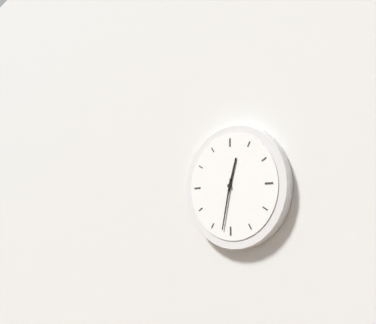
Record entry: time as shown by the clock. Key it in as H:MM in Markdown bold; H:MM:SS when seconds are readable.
**12:32**
